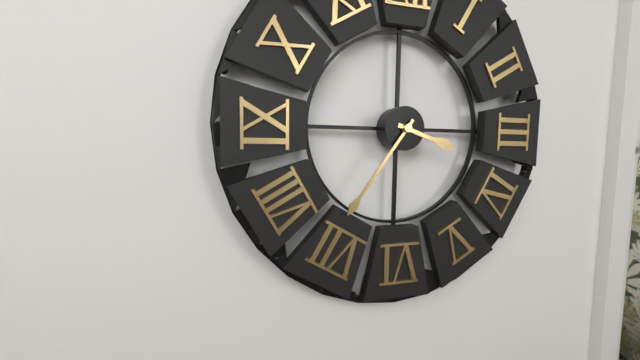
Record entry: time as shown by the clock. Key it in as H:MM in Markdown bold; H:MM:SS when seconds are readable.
**3:36**
